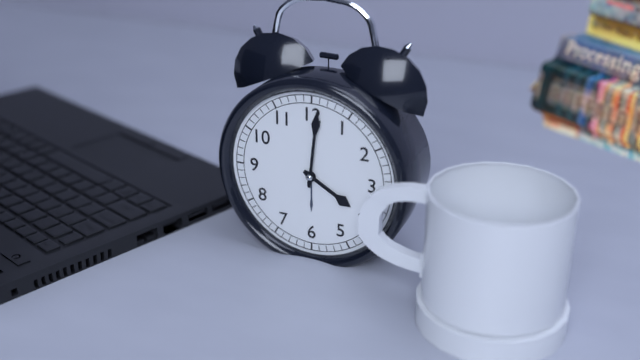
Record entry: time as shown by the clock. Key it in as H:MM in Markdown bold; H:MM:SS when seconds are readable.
**4:01**
